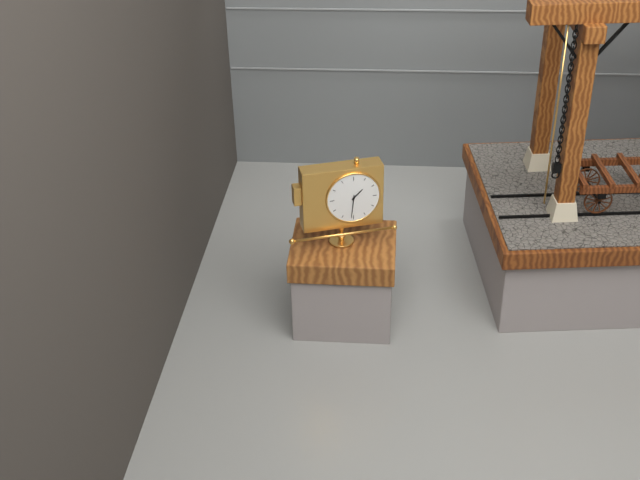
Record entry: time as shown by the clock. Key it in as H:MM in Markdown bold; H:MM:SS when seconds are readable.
**1:31**
